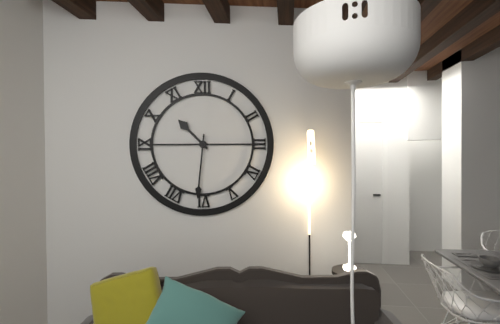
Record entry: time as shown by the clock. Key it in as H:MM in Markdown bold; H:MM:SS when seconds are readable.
**10:31**
